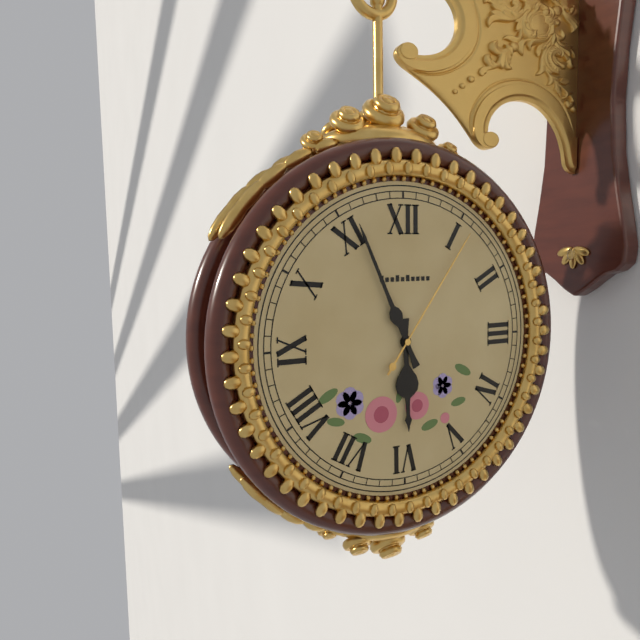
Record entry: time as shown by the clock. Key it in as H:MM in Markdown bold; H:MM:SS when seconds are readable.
**5:56:06**
